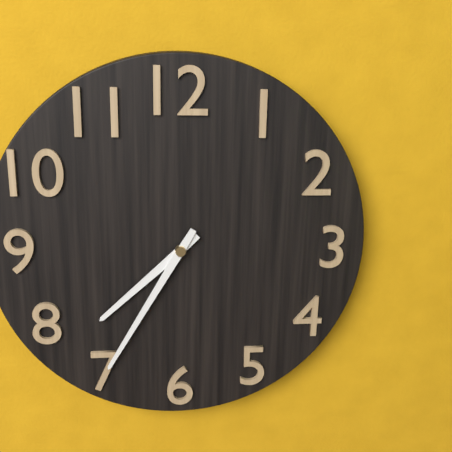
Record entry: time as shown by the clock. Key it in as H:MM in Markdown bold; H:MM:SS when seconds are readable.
**7:35**
